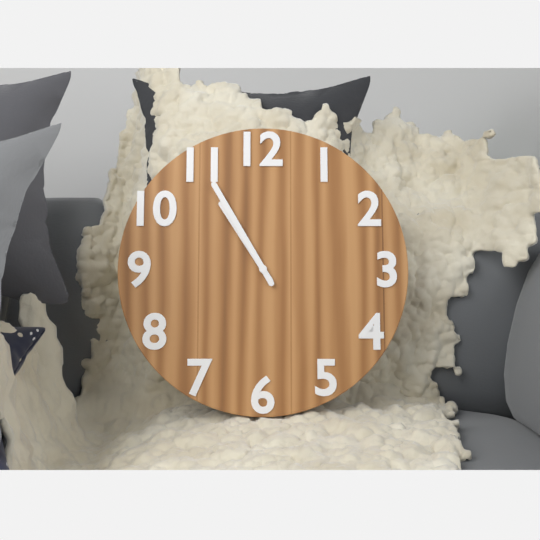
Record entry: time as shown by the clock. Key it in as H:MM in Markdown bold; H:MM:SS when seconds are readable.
**10:55**
